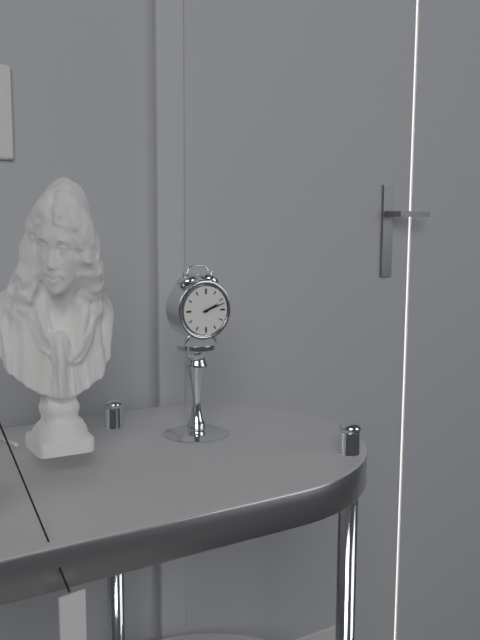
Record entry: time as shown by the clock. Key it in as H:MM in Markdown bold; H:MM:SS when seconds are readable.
**2:12**
